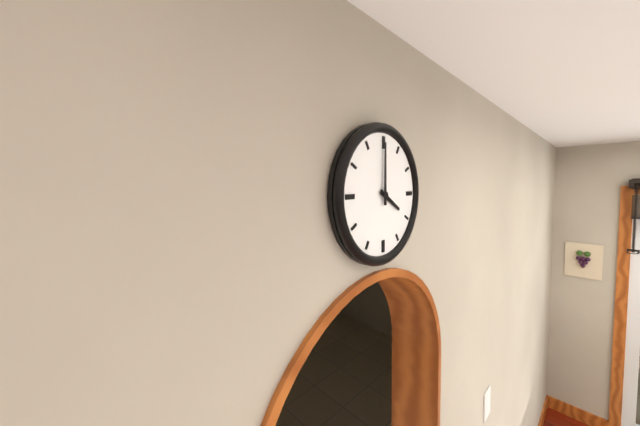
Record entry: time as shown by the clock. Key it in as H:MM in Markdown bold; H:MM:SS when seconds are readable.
**4:00**
